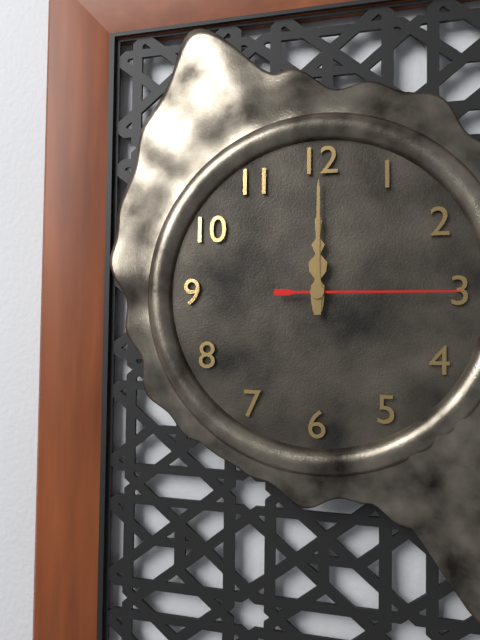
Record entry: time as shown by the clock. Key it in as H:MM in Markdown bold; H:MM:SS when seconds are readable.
**12:00:15**
